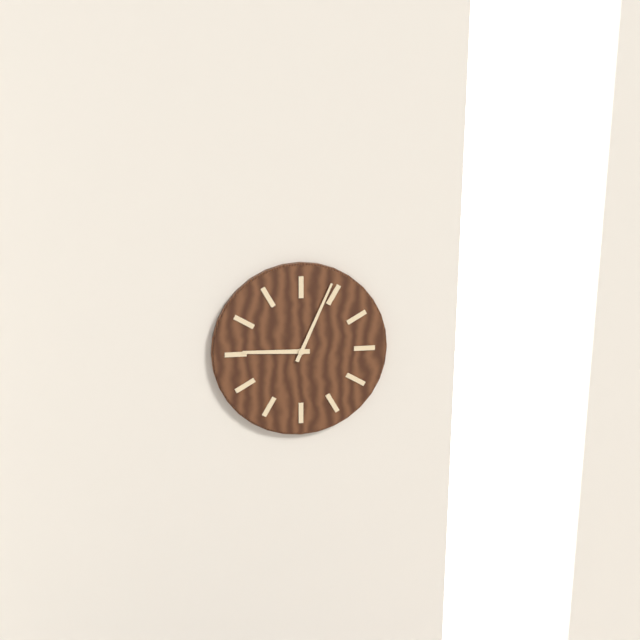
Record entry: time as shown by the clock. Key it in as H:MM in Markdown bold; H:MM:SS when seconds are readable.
**9:04**
